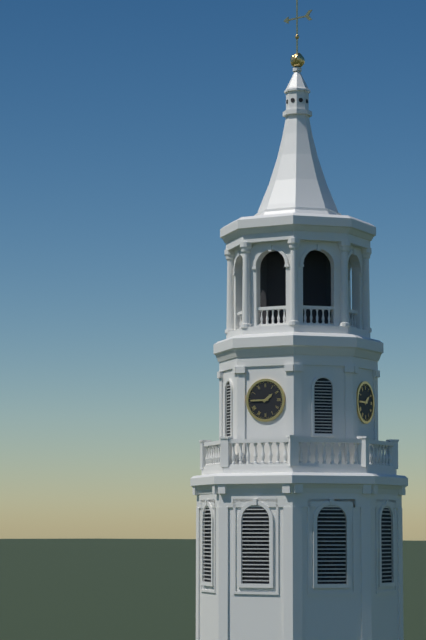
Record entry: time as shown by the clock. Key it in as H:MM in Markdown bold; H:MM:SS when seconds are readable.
**1:45**
